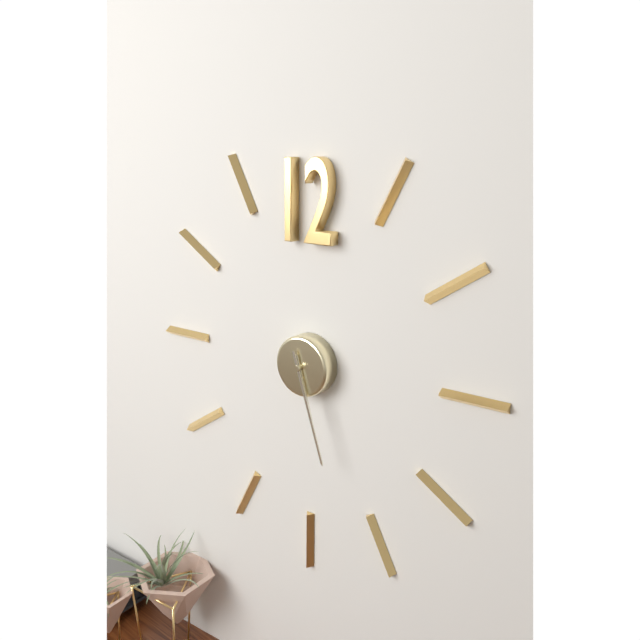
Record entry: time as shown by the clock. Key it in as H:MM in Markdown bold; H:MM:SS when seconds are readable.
**5:27**
